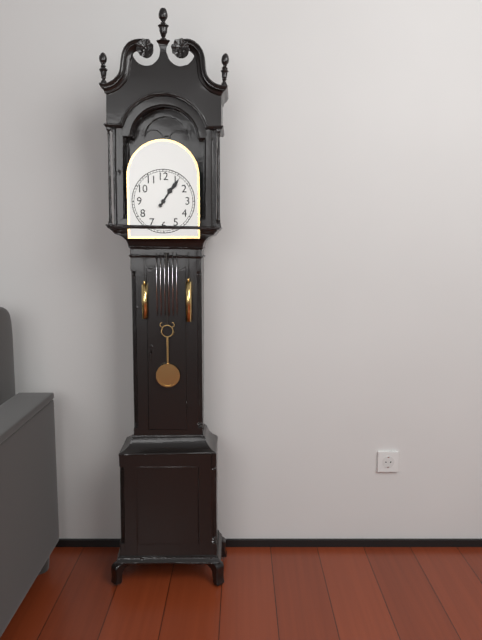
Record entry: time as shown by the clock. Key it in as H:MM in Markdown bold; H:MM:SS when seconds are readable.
**1:06**
